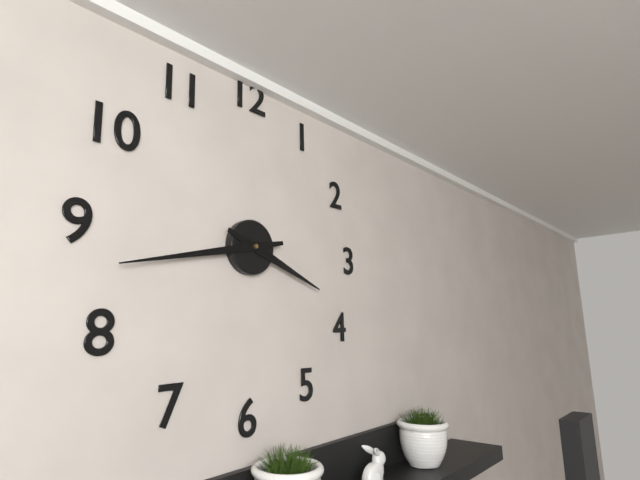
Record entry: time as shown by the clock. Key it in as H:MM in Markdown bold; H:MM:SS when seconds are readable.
**3:43**
